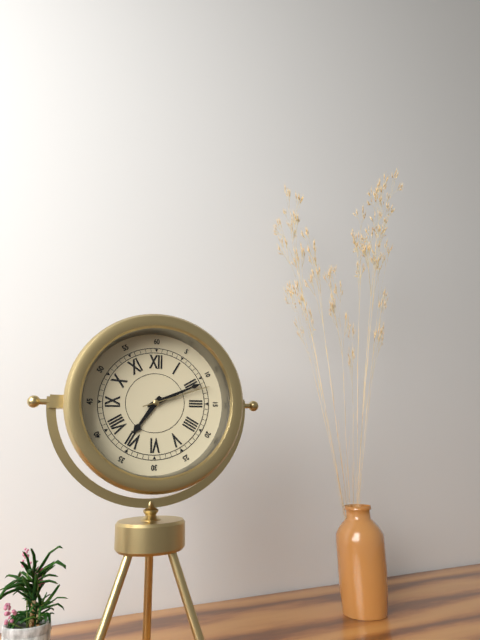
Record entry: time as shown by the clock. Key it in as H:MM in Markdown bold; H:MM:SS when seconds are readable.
**7:11:12**
